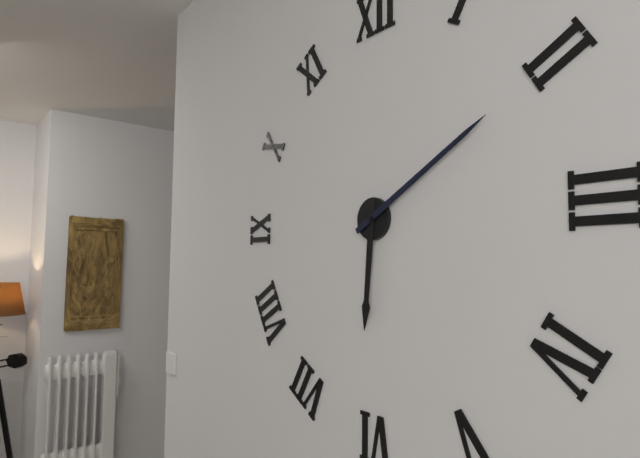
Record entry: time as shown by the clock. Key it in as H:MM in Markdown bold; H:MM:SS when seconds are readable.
**6:10**
